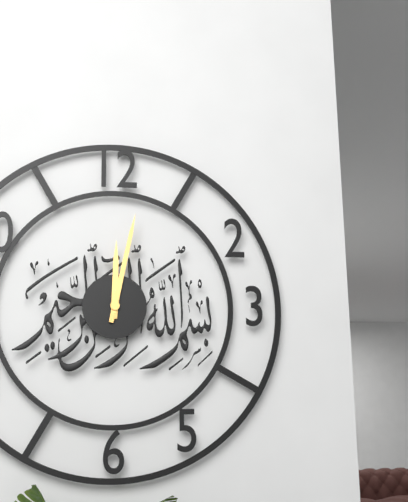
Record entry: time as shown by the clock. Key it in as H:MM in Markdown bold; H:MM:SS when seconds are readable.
**12:02**
